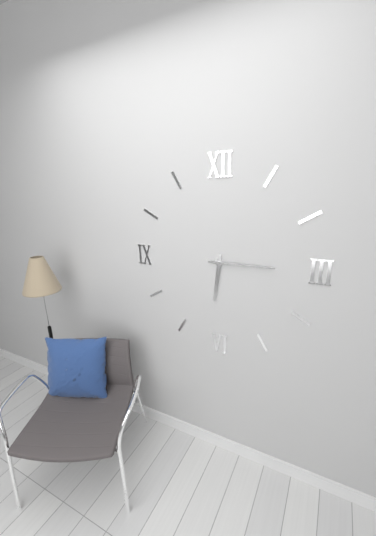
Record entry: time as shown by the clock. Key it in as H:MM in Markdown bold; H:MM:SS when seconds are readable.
**6:15**
